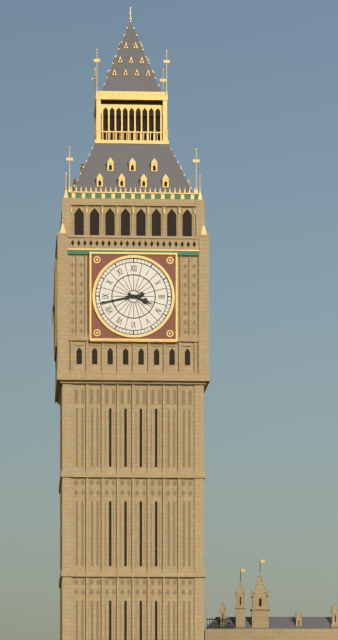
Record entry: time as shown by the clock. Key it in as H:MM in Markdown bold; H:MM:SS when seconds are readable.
**3:43**
